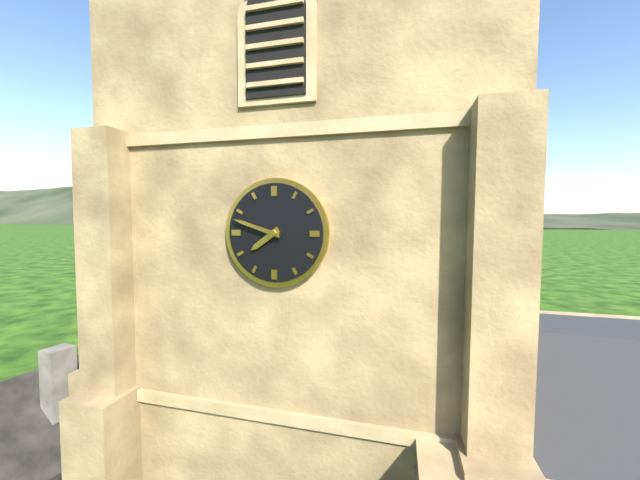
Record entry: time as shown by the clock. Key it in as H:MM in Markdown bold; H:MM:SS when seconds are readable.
**7:48**
